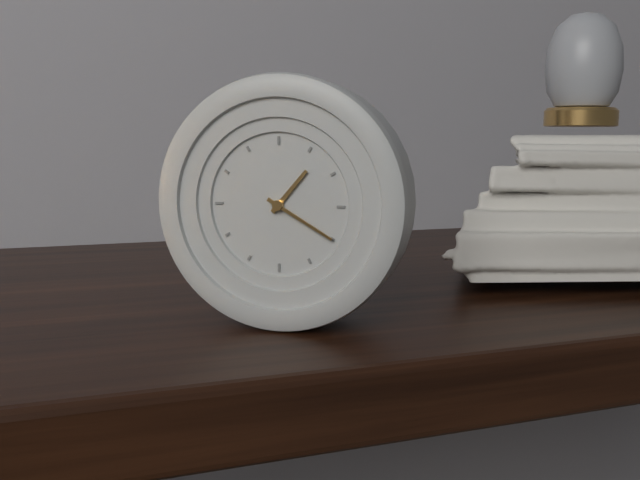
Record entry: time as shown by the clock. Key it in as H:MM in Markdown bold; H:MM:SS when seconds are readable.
**1:20**
